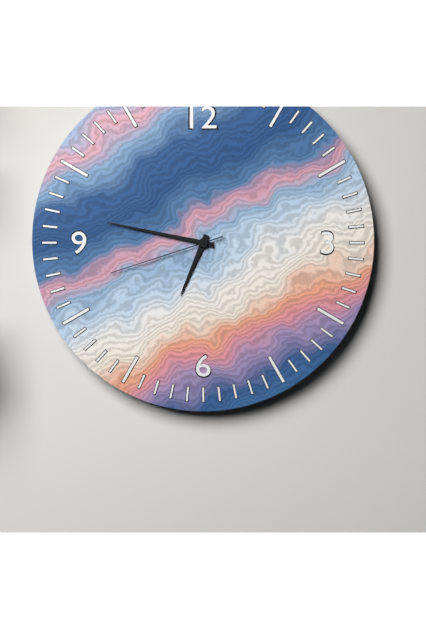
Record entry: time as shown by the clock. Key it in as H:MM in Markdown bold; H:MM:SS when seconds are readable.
**6:47:42**
